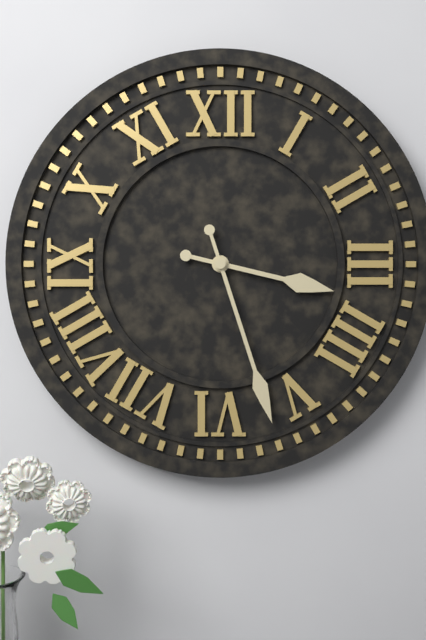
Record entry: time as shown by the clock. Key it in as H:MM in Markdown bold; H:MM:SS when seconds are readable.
**3:27**
